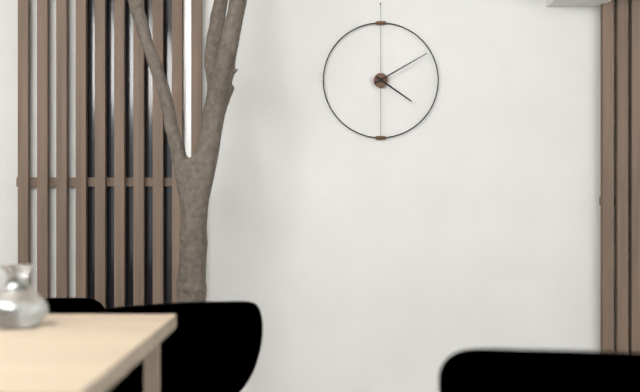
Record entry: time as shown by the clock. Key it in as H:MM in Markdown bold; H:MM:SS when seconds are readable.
**4:10**
